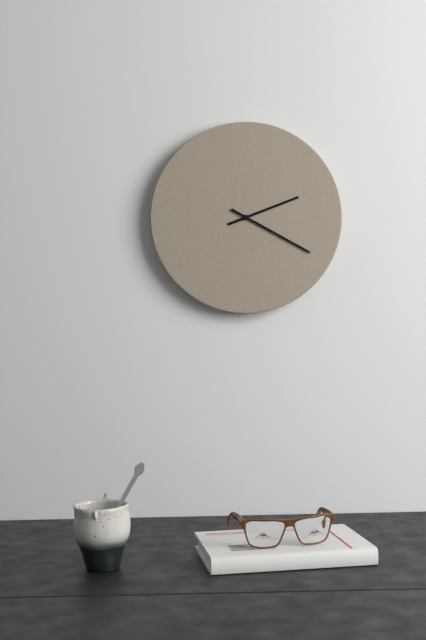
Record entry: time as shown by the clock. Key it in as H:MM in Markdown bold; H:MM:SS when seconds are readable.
**2:20**
